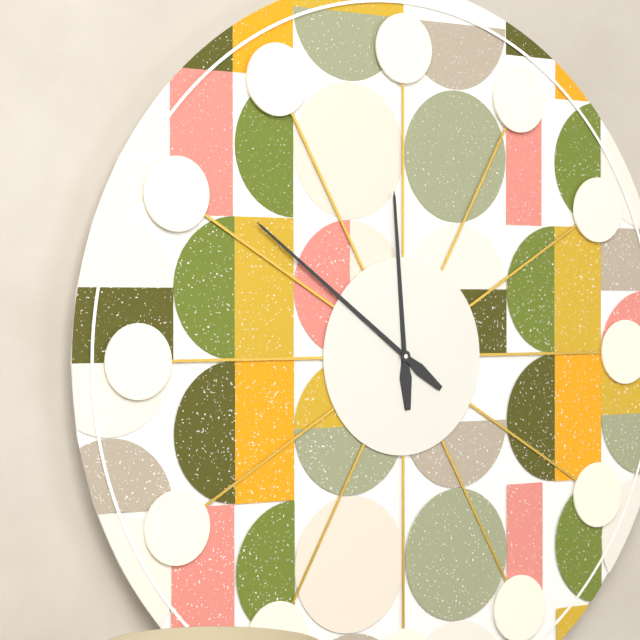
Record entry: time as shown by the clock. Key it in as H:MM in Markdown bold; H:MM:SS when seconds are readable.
**11:51**
